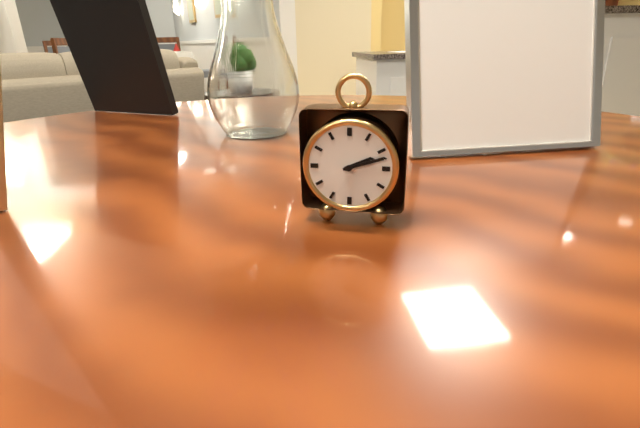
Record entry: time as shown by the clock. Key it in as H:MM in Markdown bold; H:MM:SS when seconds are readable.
**2:12**
